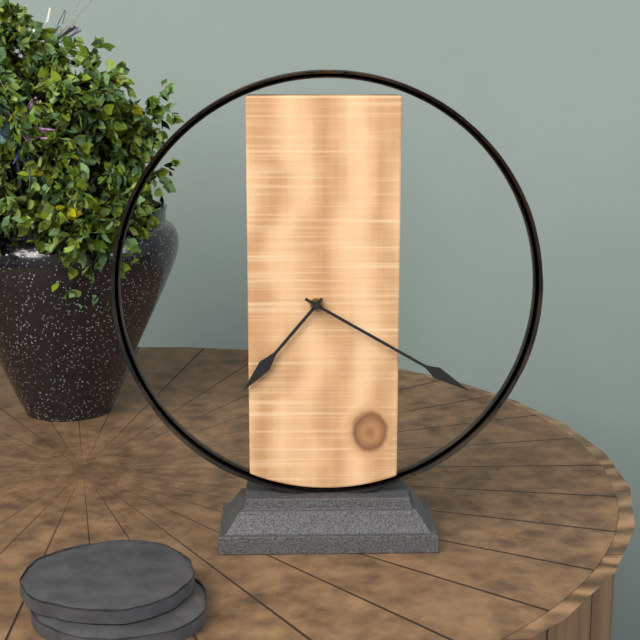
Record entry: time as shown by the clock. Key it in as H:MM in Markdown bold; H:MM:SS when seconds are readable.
**7:20**
